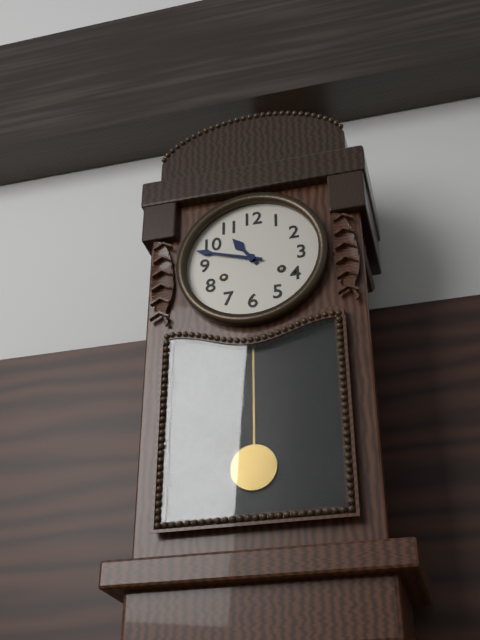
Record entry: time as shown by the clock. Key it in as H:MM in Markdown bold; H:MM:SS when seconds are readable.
**10:48**
